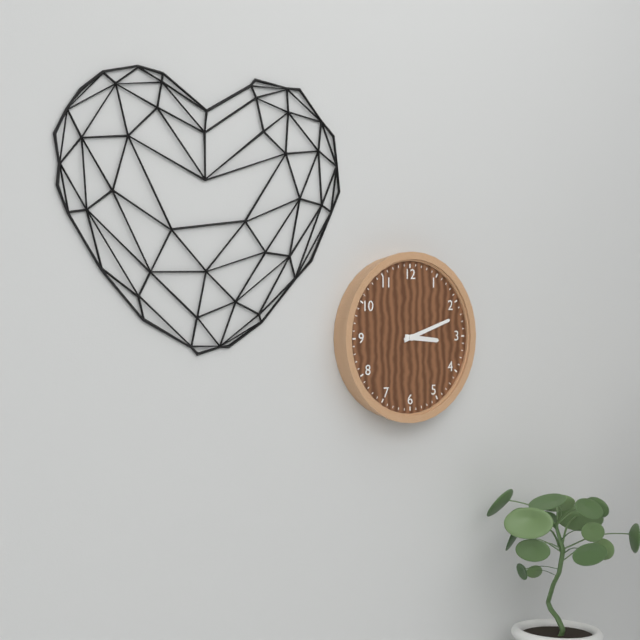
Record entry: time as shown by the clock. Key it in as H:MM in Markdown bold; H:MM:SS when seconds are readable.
**3:12**
